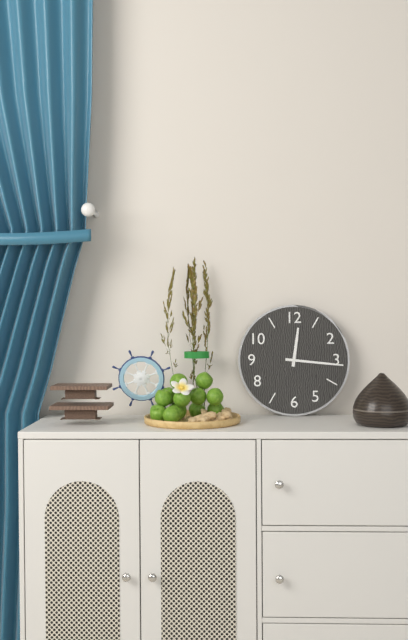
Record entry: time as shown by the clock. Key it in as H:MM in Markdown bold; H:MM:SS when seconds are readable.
**12:16**
